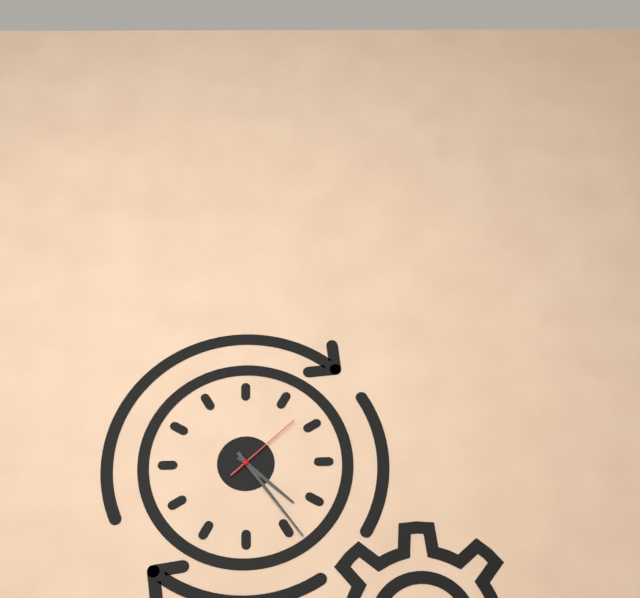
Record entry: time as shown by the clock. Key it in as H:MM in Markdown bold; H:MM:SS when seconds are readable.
**4:24:08**
